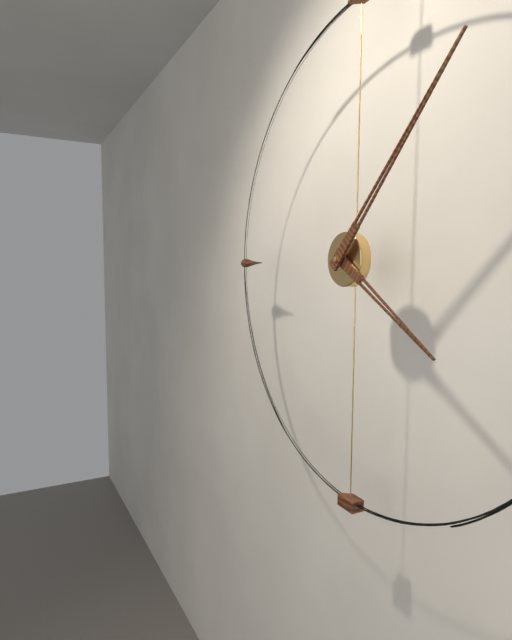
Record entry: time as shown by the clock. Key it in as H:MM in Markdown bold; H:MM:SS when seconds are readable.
**4:07**
